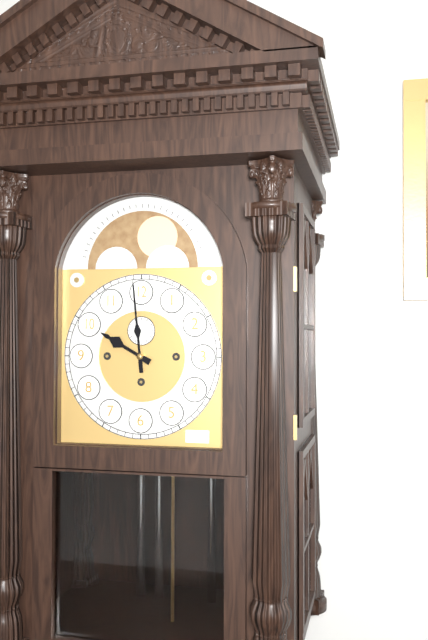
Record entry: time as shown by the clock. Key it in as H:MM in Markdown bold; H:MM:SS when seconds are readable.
**9:59**
